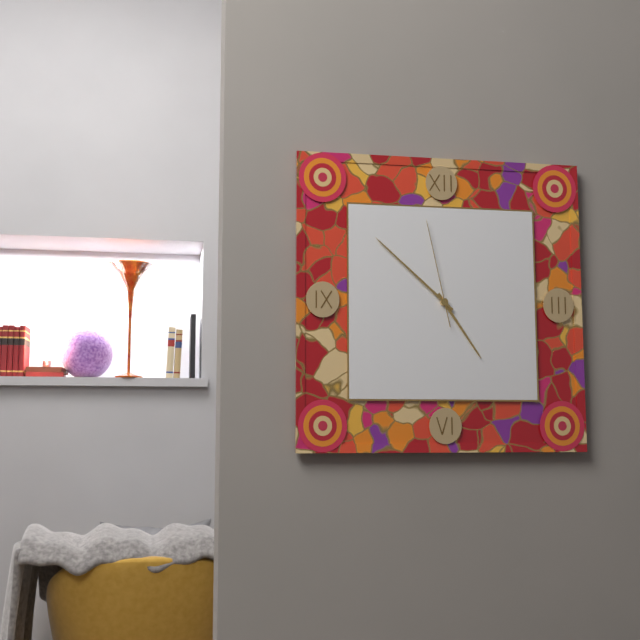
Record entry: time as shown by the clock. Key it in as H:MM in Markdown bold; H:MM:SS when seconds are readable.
**4:52:58**
